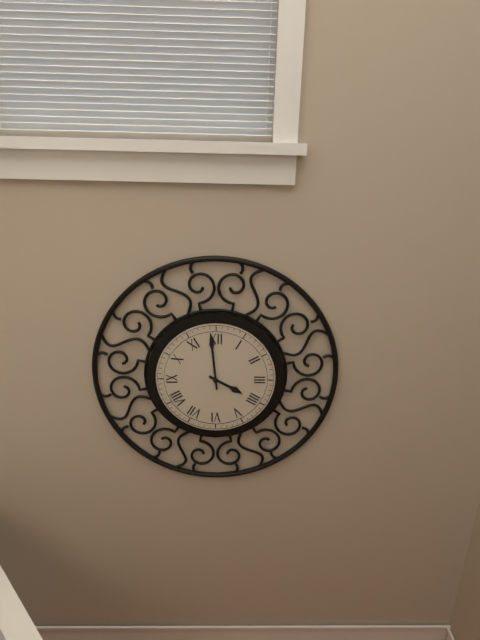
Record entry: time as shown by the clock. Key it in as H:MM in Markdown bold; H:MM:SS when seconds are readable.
**3:59**
